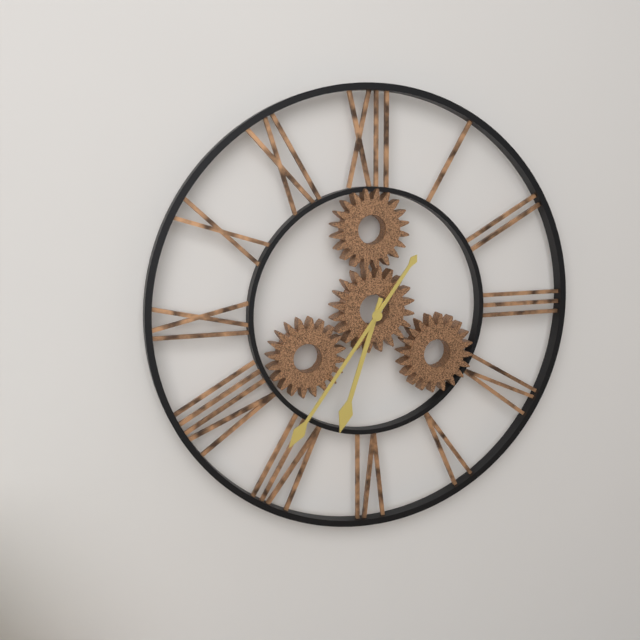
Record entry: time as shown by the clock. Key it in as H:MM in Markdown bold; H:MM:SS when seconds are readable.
**6:36**
